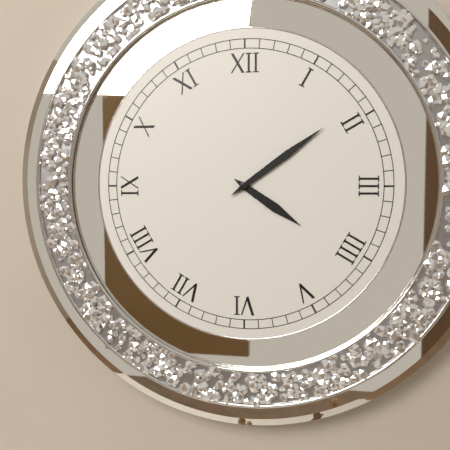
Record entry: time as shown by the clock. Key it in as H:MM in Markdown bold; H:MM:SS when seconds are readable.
**4:09**
